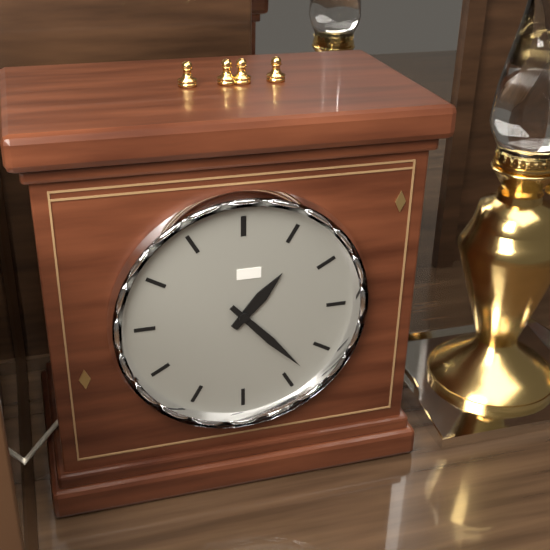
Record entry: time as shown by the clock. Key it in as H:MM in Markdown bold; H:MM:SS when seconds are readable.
**1:23**
